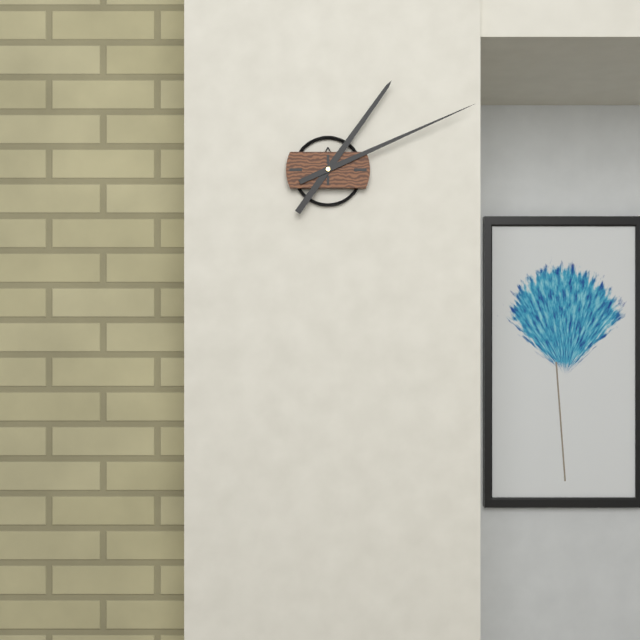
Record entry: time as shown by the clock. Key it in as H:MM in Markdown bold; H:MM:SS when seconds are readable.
**1:11**
